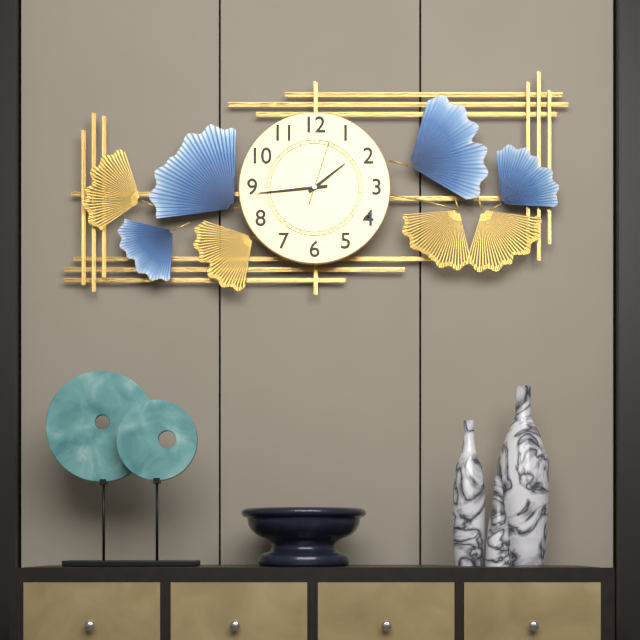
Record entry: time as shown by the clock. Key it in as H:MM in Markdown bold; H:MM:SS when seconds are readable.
**1:44:03**
